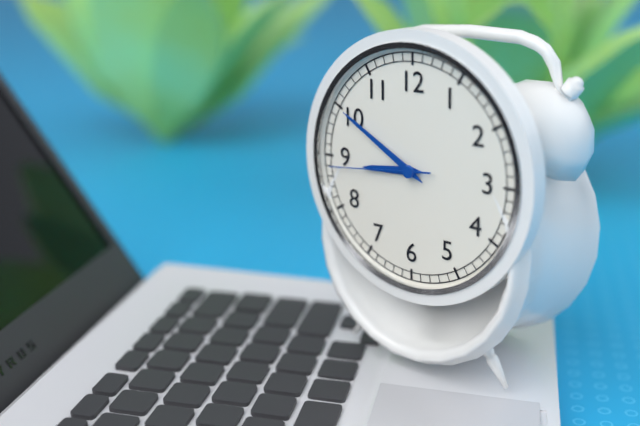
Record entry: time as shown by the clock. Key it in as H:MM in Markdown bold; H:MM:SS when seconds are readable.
**8:50:44**
